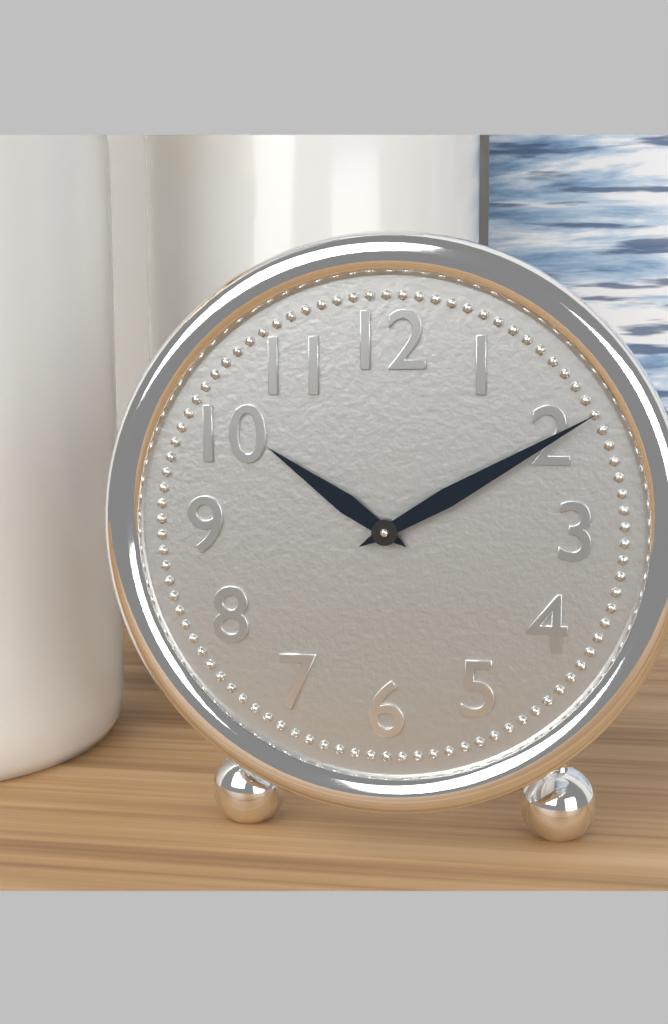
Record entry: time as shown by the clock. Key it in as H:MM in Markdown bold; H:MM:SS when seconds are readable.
**10:10**
